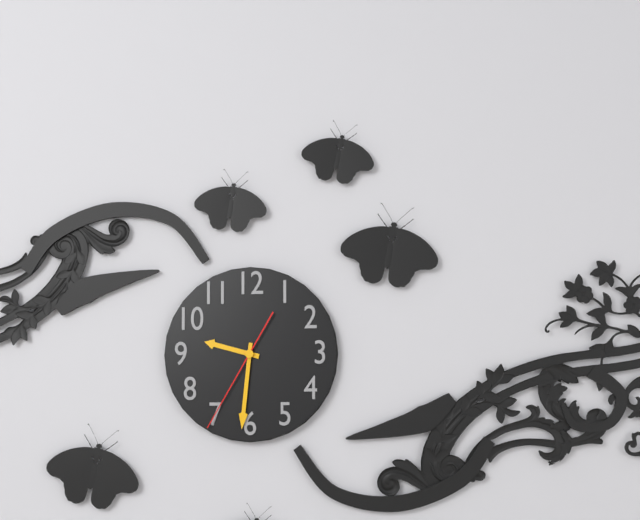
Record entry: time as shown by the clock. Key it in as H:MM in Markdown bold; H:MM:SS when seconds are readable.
**9:31:35**
